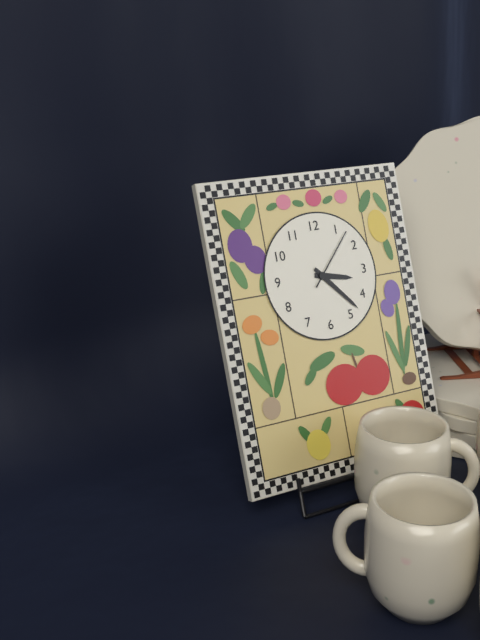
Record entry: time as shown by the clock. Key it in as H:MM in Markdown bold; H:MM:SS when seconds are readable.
**3:23:07**
